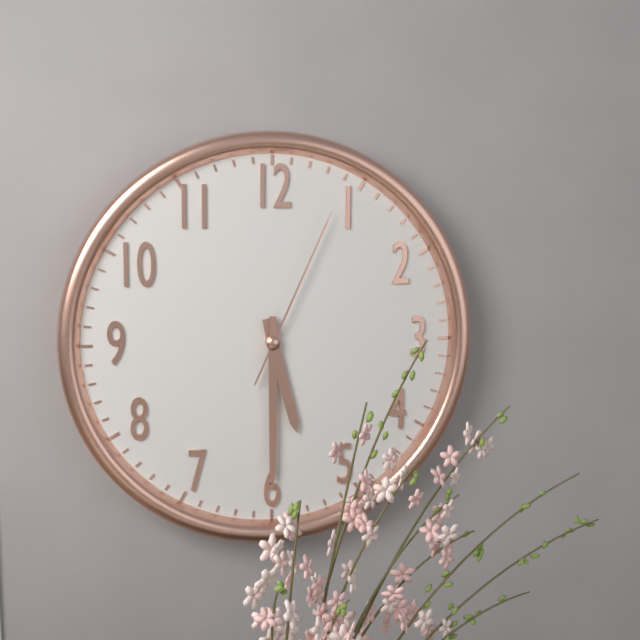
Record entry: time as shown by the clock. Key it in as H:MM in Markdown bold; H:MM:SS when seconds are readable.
**5:30:04**
